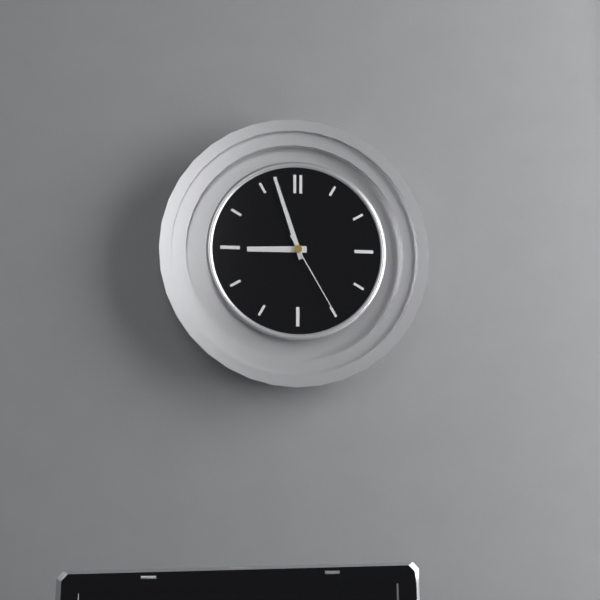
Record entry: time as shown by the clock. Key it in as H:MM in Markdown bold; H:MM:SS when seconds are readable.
**8:57:25**
